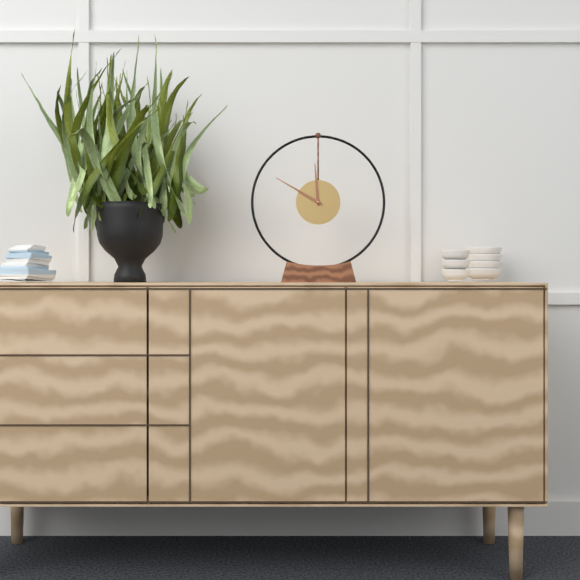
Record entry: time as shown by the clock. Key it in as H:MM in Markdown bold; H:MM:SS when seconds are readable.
**11:50**
